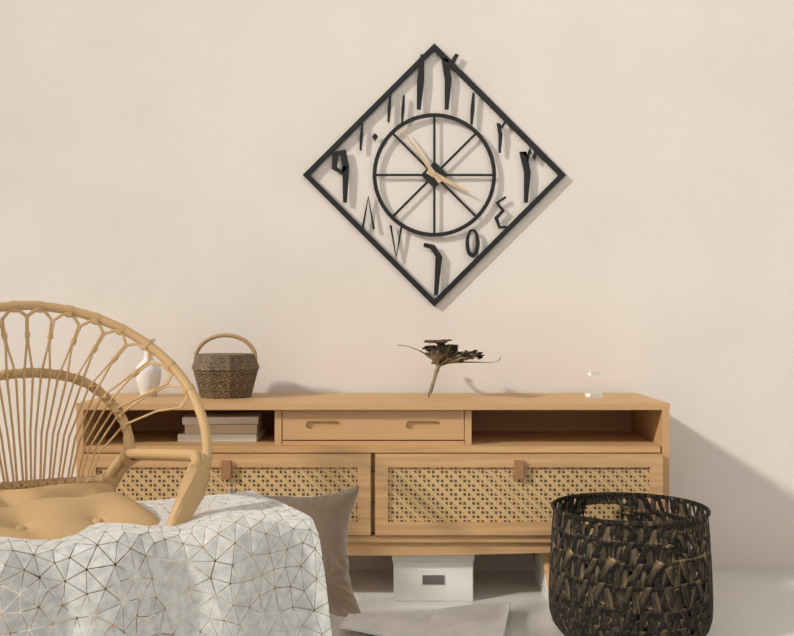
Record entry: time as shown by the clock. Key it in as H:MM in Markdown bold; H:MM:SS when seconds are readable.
**3:54**
